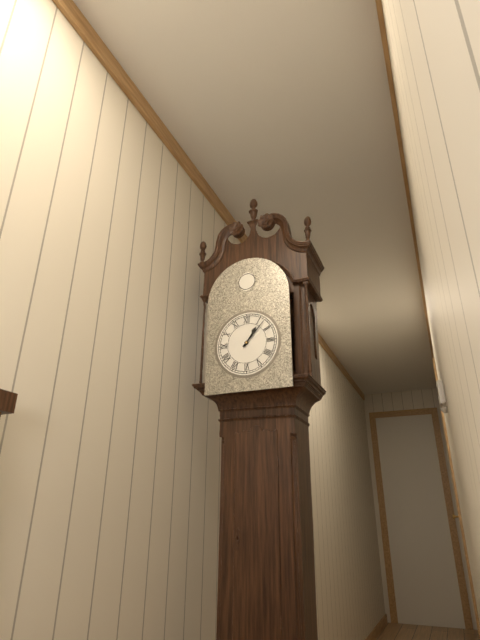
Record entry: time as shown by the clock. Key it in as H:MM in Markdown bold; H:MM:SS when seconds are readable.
**1:07**
